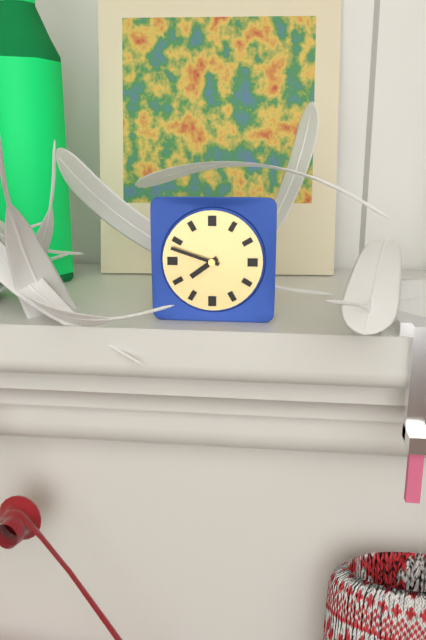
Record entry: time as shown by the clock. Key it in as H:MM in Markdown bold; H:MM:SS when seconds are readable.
**7:48**
